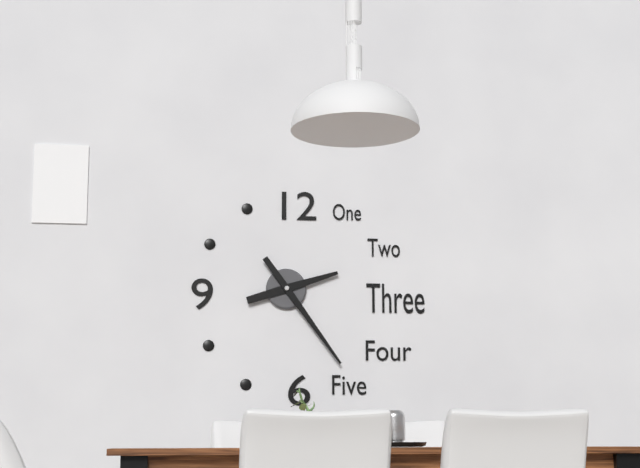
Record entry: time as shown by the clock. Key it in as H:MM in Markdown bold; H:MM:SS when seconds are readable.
**2:24**
